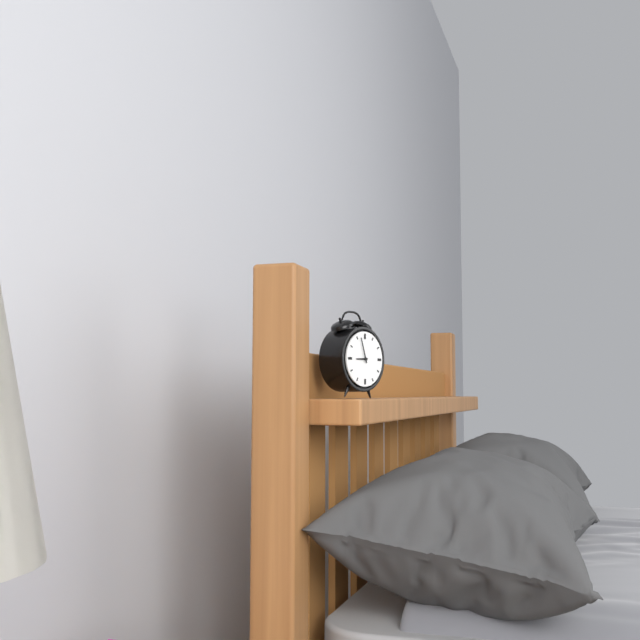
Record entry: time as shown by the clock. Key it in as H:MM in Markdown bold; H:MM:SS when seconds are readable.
**8:57**
